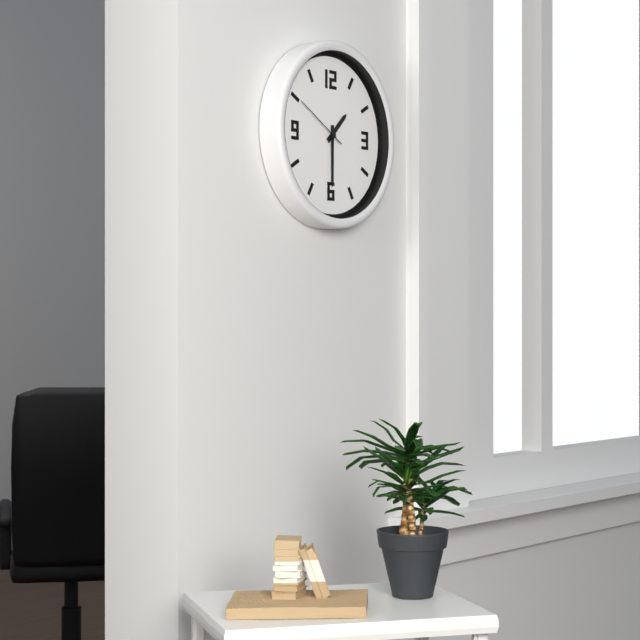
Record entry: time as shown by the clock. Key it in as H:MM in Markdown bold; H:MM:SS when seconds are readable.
**1:30:50**
